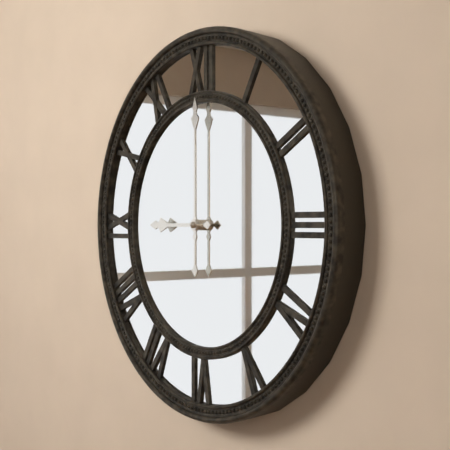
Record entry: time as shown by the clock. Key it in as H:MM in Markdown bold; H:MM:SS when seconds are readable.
**9:00**
